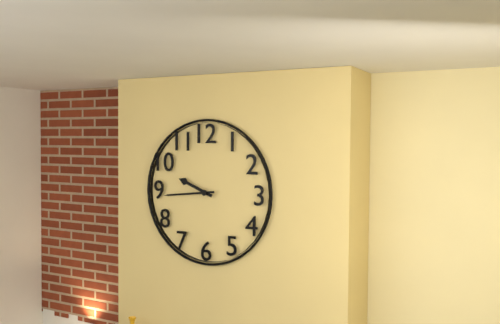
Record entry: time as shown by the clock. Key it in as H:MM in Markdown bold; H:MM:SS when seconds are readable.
**9:44**
